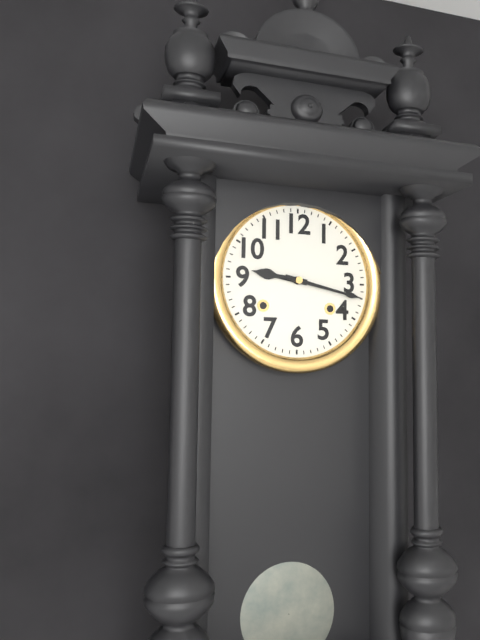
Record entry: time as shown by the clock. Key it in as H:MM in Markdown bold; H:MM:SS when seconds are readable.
**9:17**
